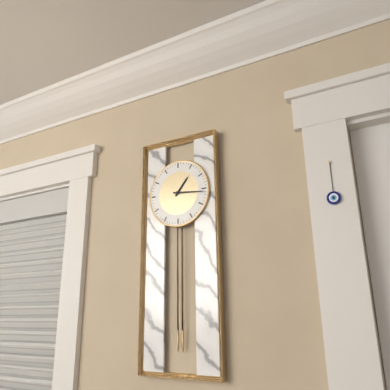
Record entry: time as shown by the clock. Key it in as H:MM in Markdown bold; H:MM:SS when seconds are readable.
**1:16**
